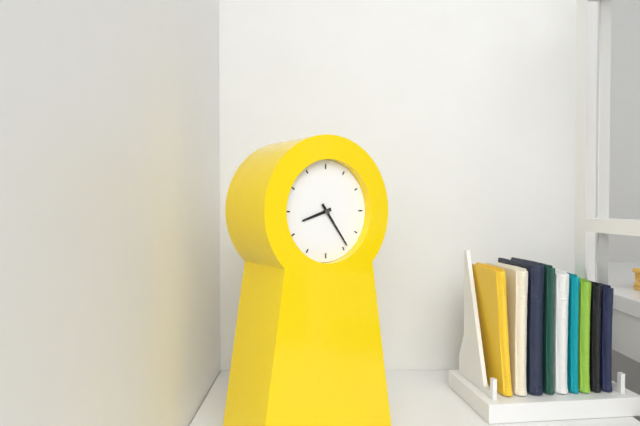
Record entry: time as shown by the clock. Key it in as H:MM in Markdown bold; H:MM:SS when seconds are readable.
**8:24**
